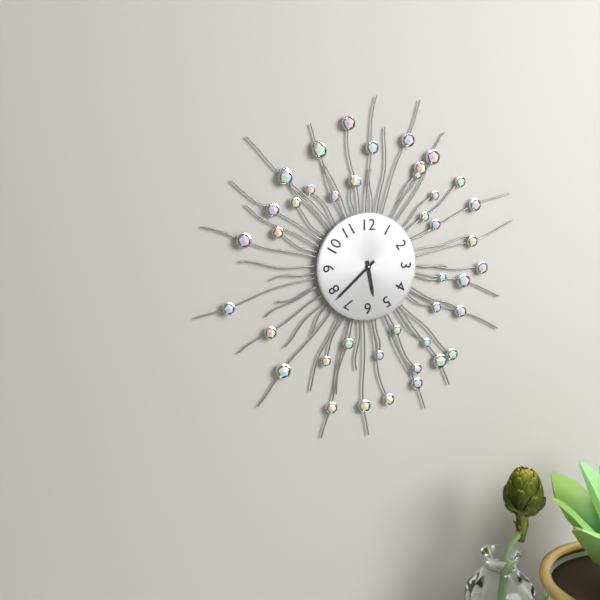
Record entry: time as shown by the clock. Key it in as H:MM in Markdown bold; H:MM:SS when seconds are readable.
**5:38**
